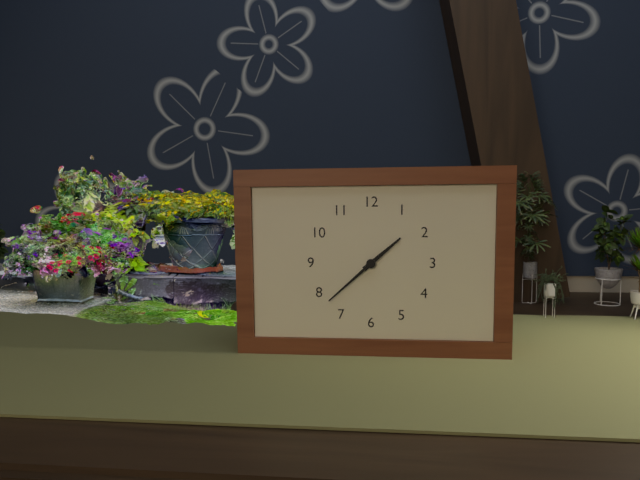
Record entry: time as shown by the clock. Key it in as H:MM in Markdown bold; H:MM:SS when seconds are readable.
**1:38**
